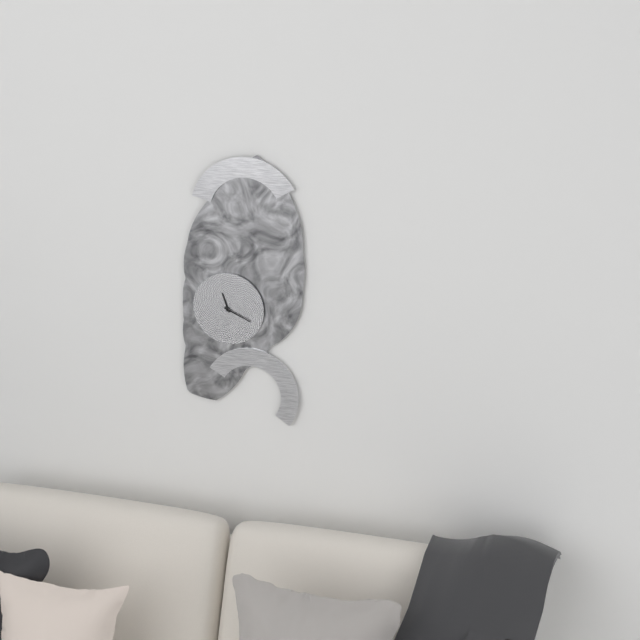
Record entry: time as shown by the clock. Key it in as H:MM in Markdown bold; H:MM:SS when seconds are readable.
**11:19**
